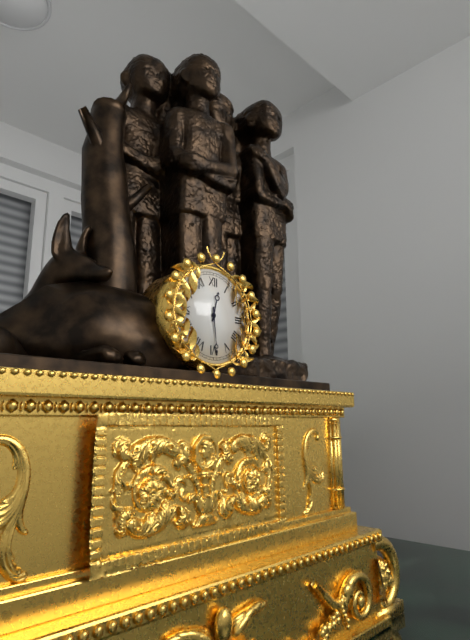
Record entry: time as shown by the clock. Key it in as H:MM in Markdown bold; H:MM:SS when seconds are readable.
**12:29**
